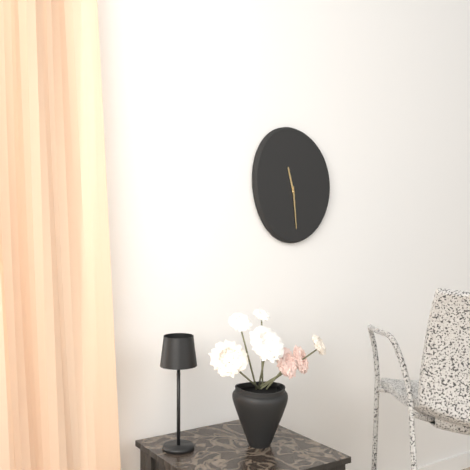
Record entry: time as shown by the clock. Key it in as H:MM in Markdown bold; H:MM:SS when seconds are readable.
**11:29**
